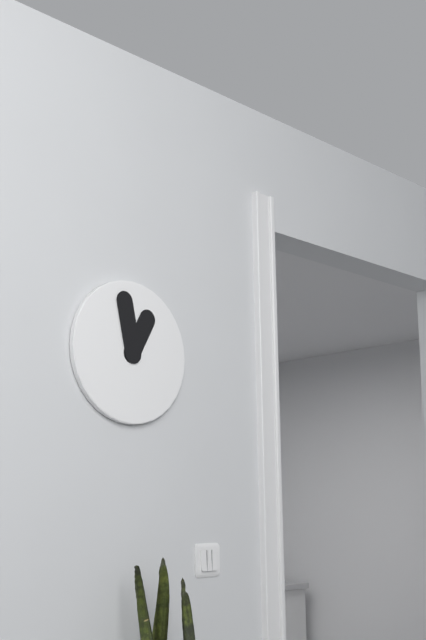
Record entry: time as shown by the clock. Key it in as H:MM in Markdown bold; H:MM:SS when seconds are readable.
**12:58**
